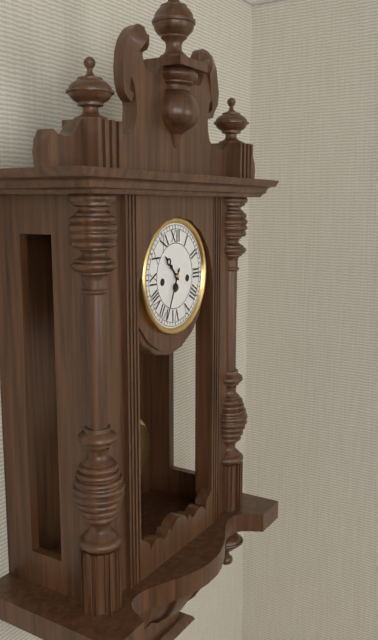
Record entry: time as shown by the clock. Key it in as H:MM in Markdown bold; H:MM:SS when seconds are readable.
**10:34**
